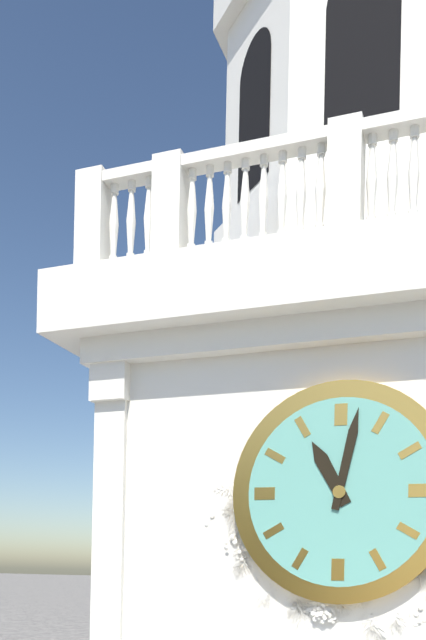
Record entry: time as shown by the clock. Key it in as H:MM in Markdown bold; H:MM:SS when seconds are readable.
**11:02**
